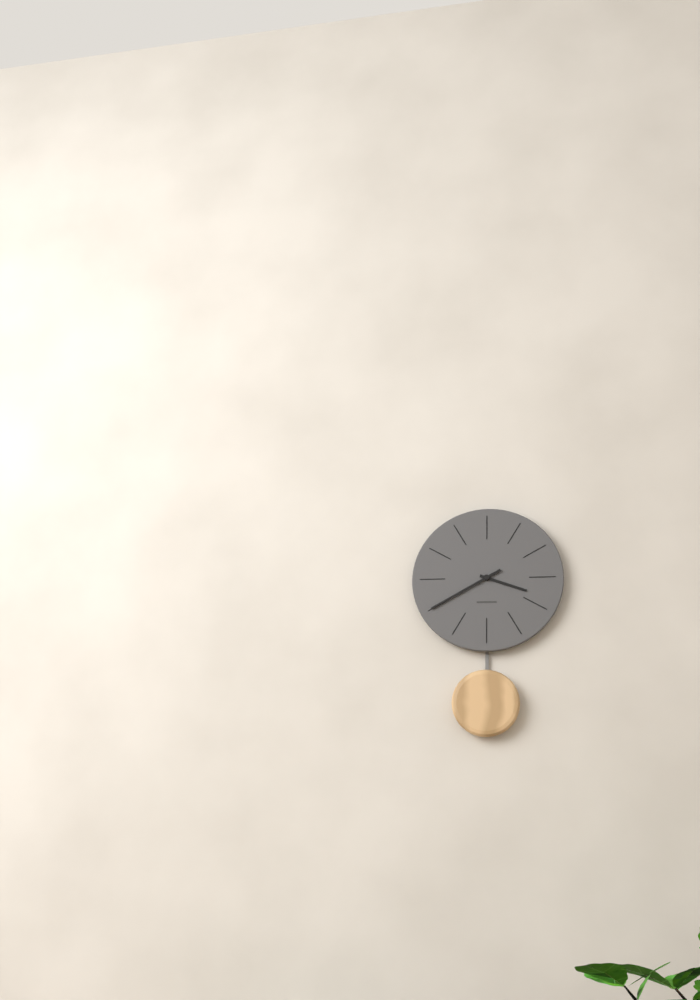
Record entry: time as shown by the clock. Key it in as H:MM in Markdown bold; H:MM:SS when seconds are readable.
**3:40**
